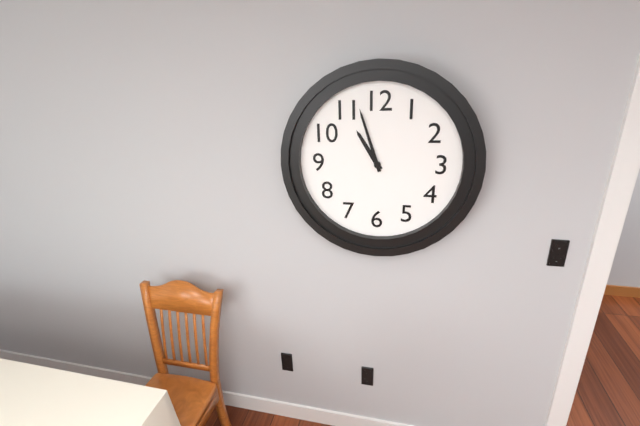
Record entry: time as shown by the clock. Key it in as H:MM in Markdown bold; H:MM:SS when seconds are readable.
**10:57**
